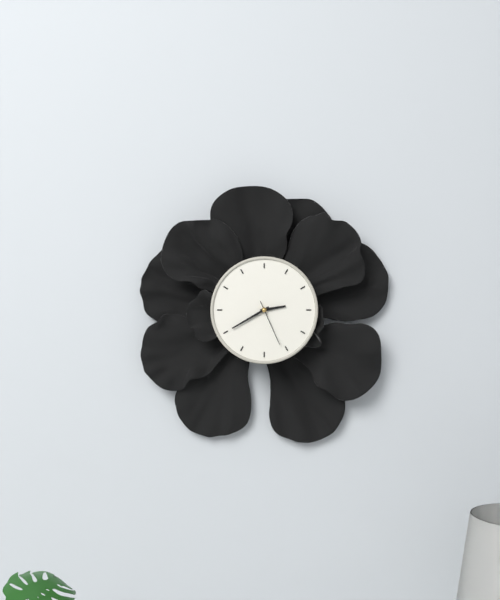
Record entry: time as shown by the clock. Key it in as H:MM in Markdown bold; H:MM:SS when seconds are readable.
**2:40**
